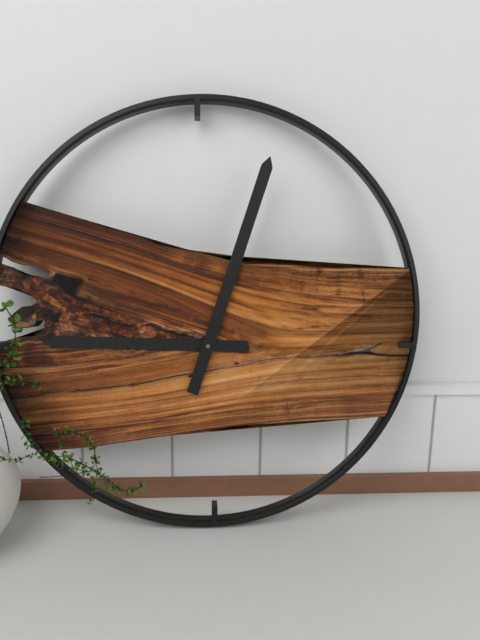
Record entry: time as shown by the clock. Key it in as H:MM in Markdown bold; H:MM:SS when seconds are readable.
**9:03**
